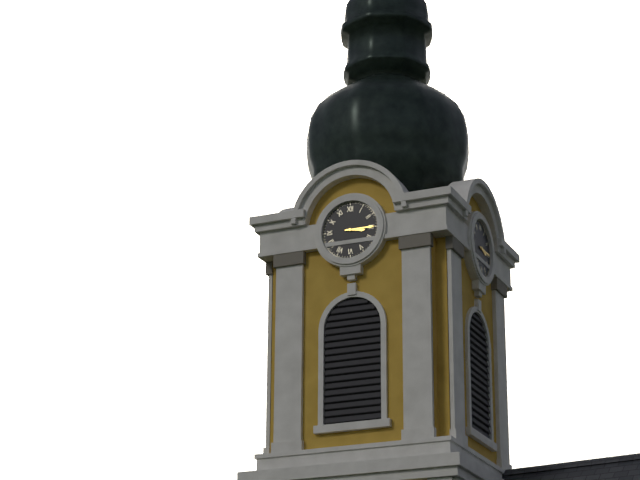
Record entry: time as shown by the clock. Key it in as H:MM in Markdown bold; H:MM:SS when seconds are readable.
**3:15**
